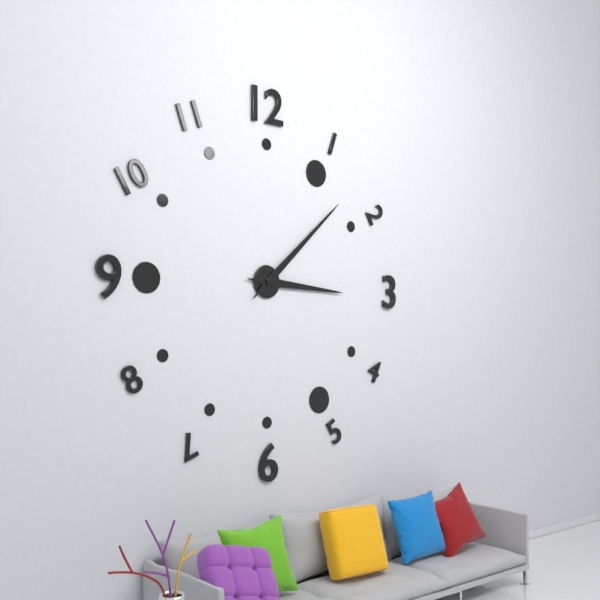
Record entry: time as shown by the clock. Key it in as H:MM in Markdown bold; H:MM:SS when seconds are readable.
**3:08**
